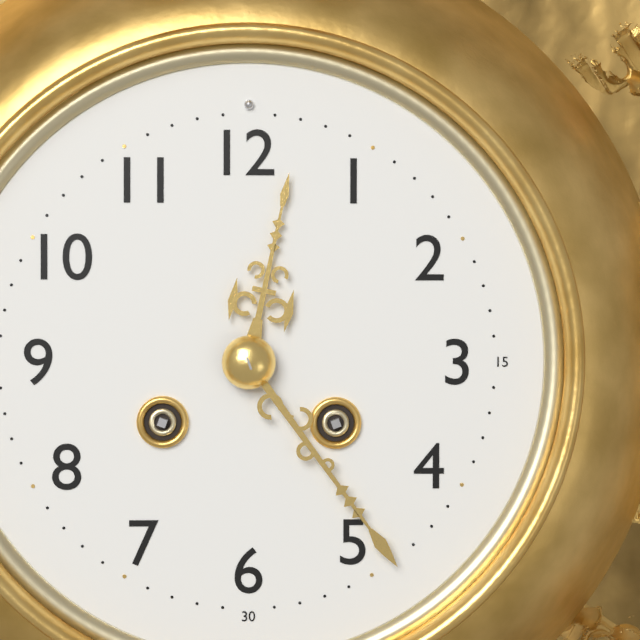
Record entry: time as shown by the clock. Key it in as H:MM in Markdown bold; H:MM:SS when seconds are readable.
**12:24**
